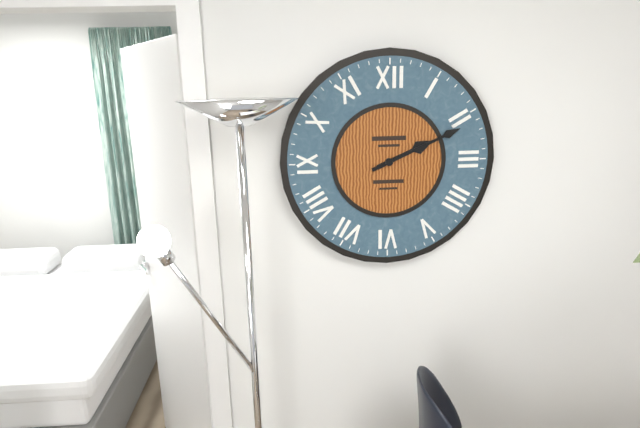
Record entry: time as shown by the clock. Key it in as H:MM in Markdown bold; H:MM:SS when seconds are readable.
**2:11**
